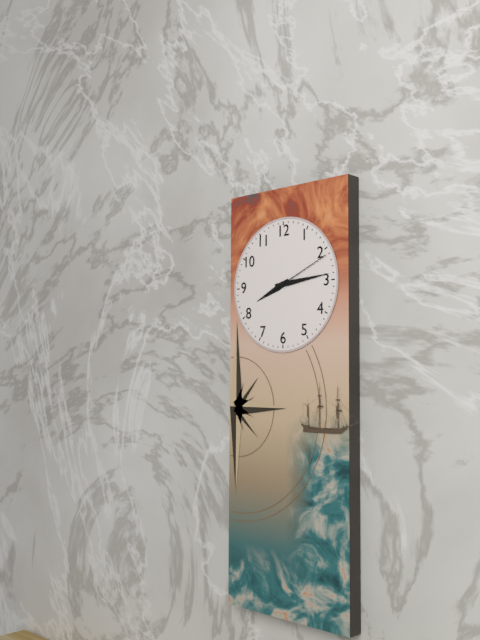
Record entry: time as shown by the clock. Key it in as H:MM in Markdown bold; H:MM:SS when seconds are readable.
**8:14:11**
